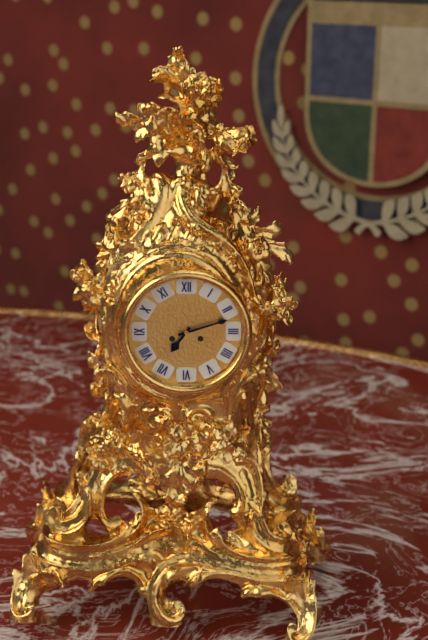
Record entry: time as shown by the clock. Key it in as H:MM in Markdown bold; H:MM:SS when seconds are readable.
**7:12**
